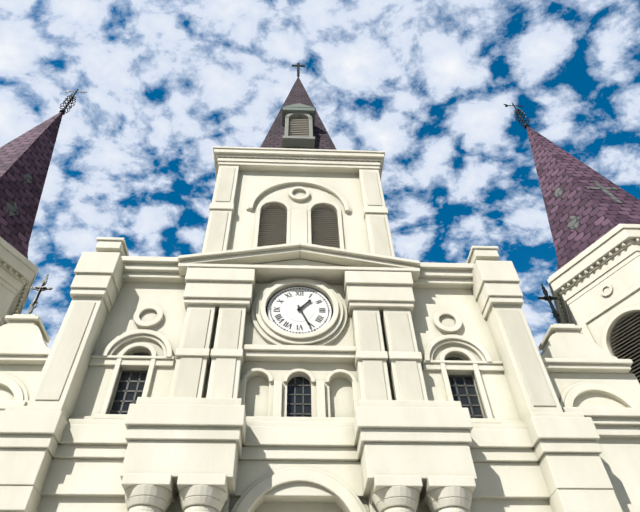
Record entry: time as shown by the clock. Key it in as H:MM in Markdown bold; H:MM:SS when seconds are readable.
**1:26**
